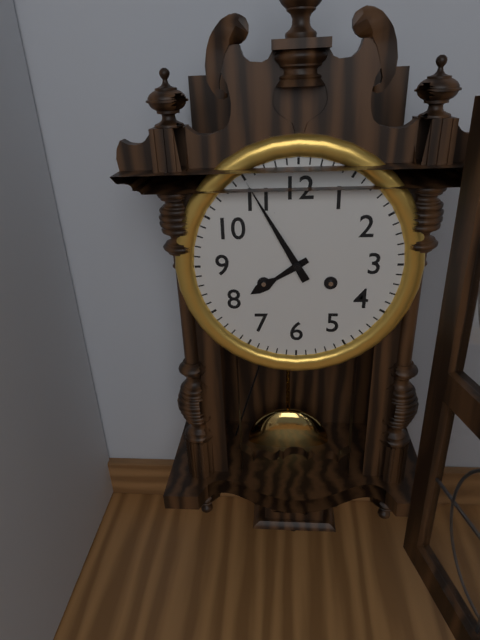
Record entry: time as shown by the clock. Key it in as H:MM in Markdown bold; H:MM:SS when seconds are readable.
**7:55**
